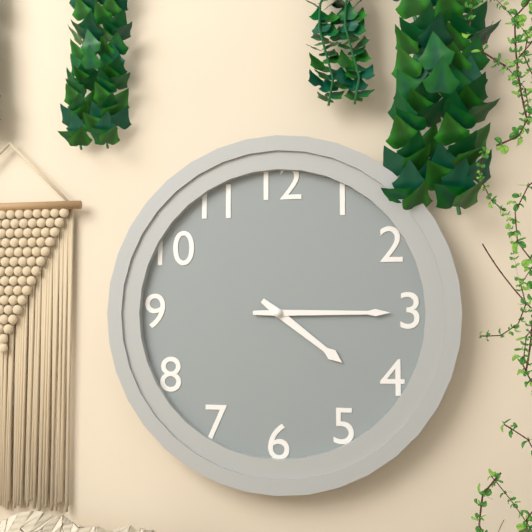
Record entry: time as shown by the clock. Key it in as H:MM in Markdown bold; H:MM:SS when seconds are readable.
**4:15**
